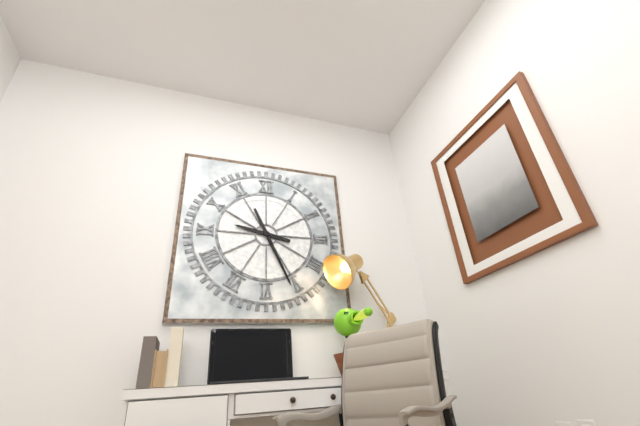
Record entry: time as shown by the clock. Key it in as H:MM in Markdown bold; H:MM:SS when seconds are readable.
**9:26**
